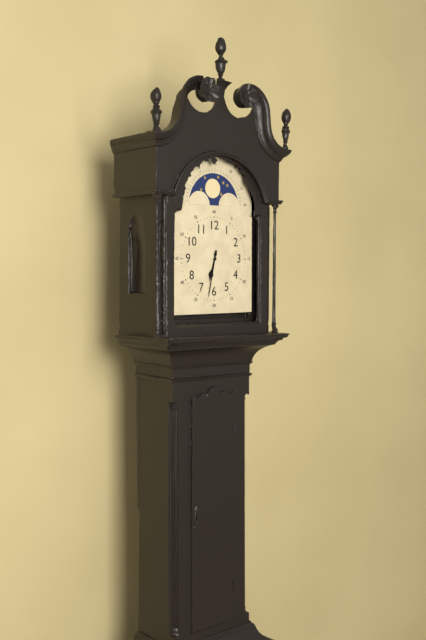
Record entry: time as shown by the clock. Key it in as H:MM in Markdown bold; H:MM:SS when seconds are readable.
**6:32**
